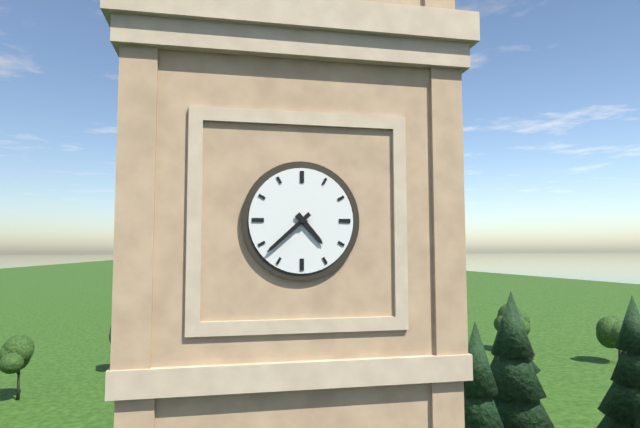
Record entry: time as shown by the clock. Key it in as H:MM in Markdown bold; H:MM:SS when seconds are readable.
**4:38**
